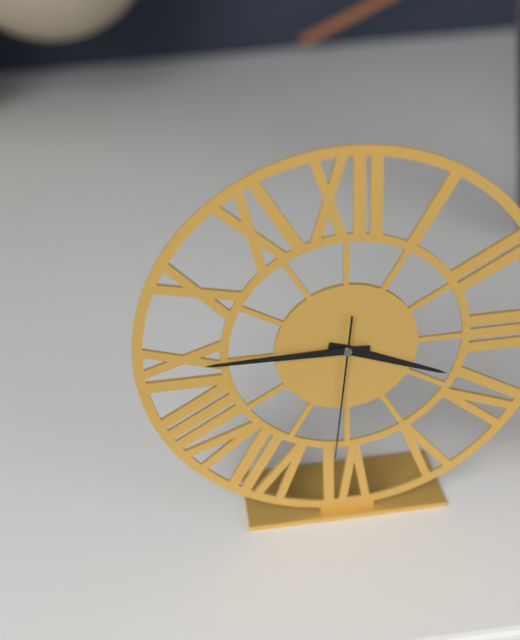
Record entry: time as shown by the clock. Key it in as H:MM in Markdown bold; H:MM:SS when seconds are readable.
**3:45:31**
